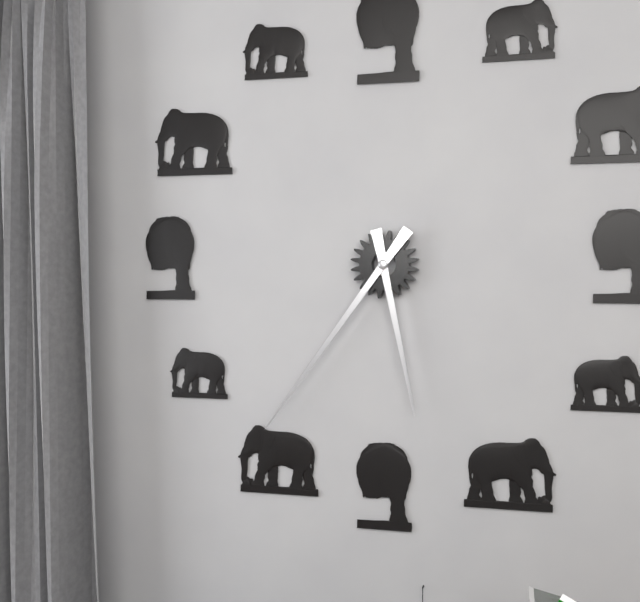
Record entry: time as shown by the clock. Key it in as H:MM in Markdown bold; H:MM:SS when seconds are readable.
**5:36**
